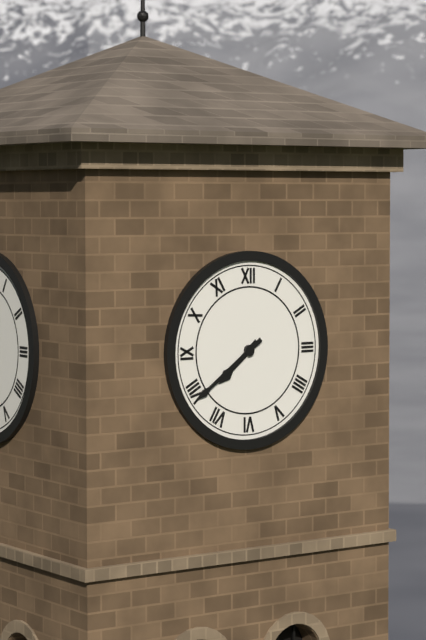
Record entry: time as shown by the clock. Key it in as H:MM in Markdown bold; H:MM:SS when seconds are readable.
**7:39**
